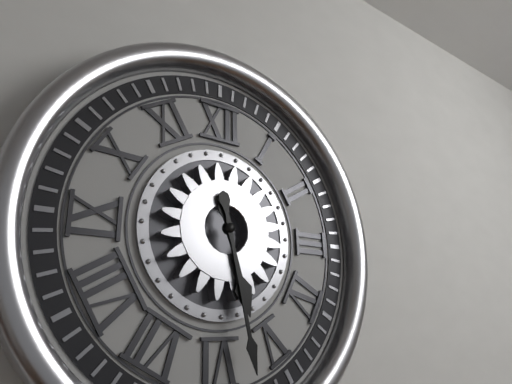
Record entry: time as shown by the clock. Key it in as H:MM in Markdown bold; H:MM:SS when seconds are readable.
**5:28**
